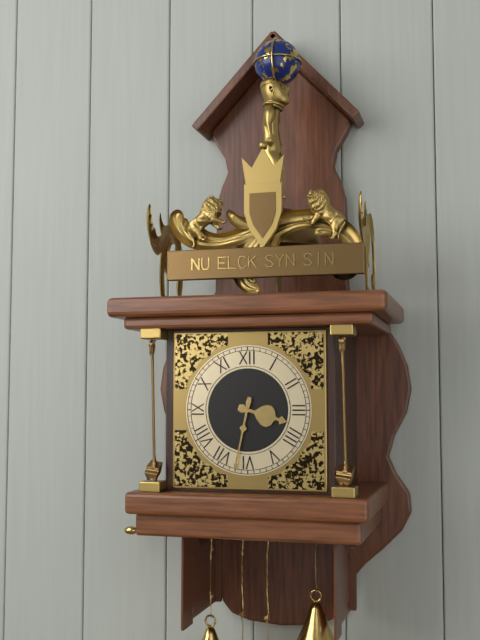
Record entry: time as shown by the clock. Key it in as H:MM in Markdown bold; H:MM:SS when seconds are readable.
**3:32**
